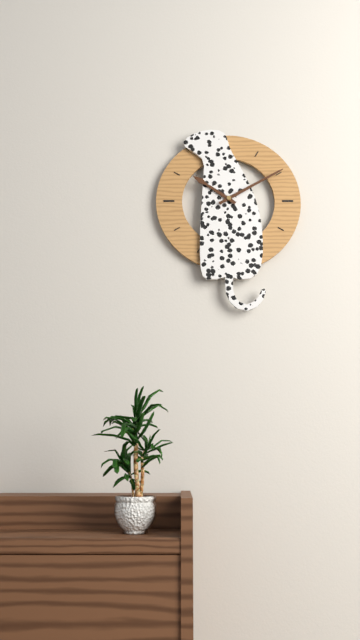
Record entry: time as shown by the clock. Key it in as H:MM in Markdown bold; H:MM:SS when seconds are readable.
**10:10**
